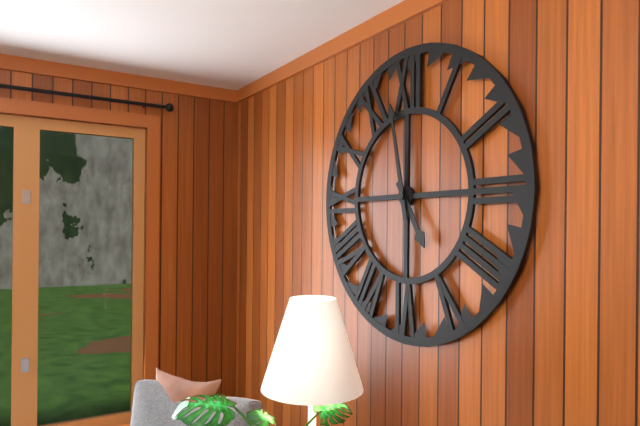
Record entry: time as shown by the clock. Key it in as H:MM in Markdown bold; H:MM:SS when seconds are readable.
**4:58**
